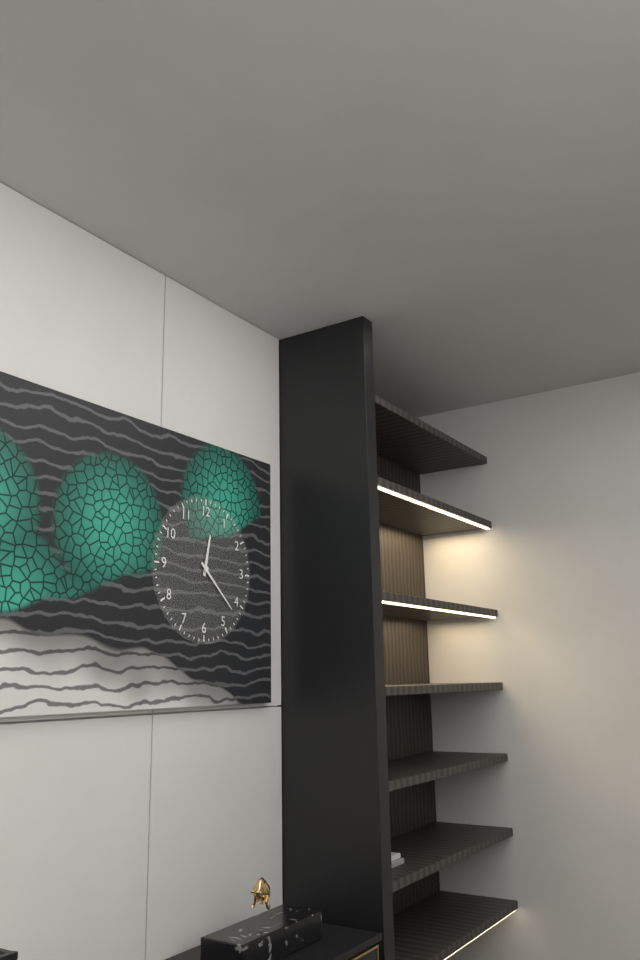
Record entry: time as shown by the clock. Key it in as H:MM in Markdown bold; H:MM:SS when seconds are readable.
**12:22**
